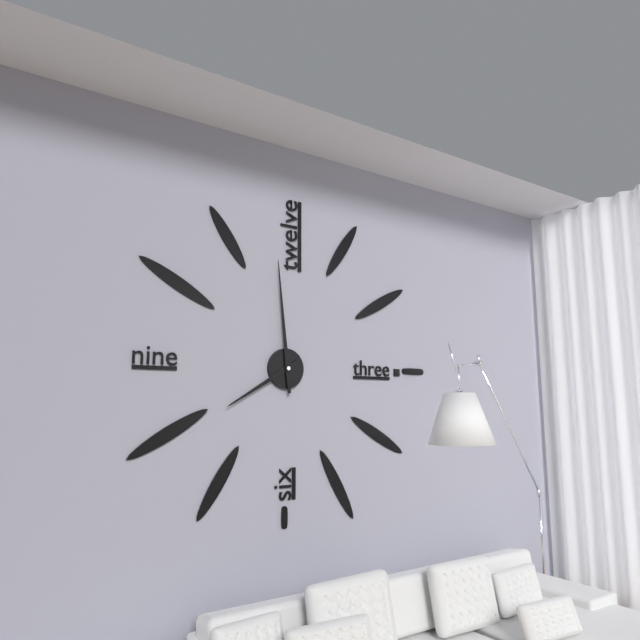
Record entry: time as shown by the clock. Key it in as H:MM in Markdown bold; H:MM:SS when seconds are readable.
**7:59**
